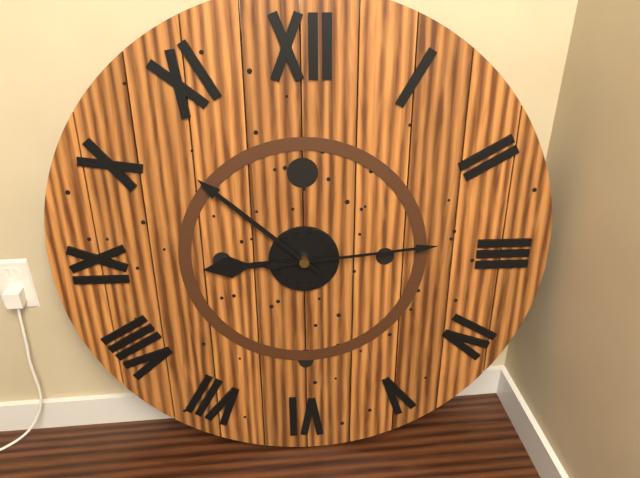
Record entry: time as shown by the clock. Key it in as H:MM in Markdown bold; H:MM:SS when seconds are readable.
**8:52:14**
